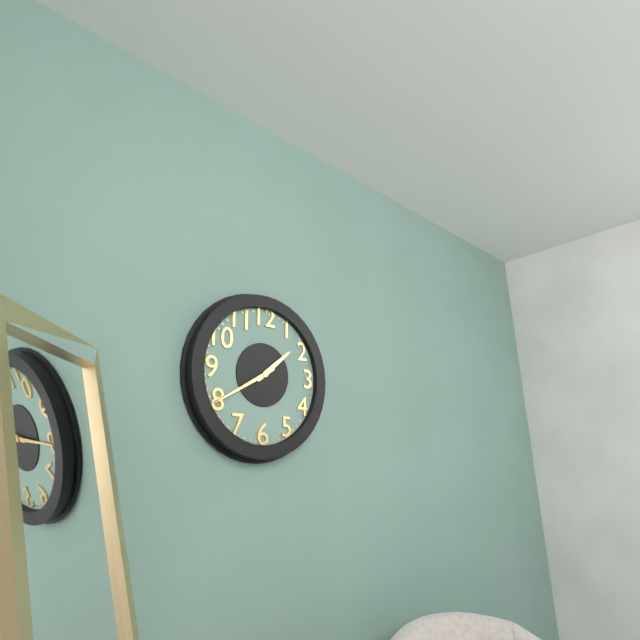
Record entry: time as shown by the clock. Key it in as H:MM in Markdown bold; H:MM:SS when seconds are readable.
**1:40**
